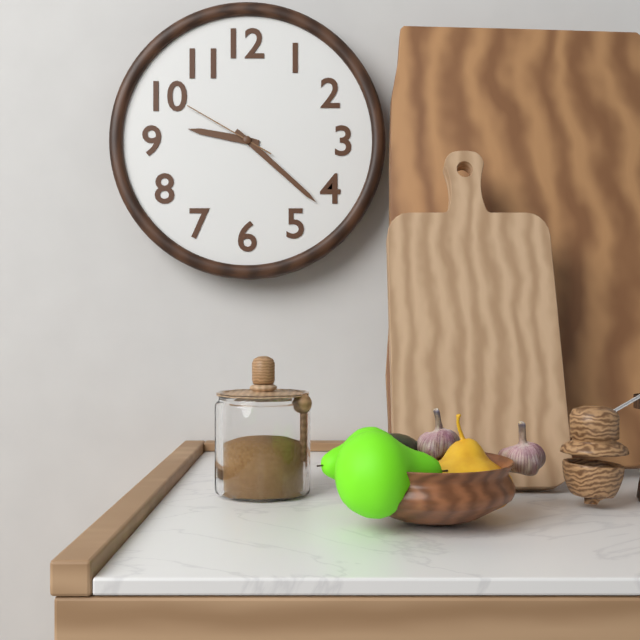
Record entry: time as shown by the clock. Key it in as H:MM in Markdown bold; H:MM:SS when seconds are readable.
**9:22:50**
